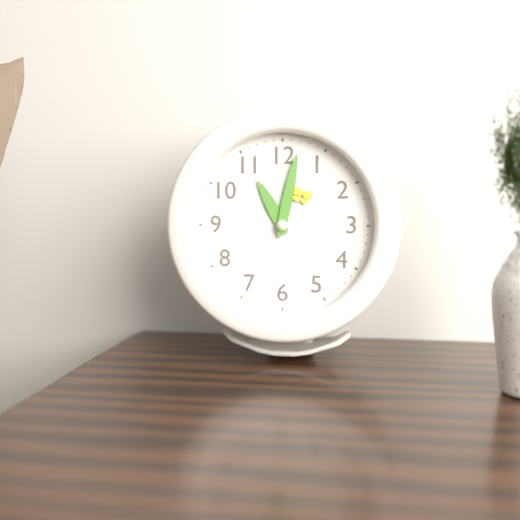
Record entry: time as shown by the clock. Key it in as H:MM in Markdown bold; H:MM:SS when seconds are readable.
**11:02**
